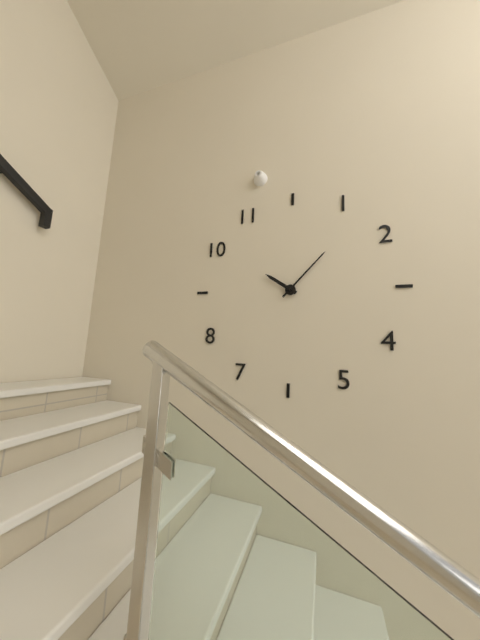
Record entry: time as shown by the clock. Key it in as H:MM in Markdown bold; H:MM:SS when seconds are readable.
**10:07**
